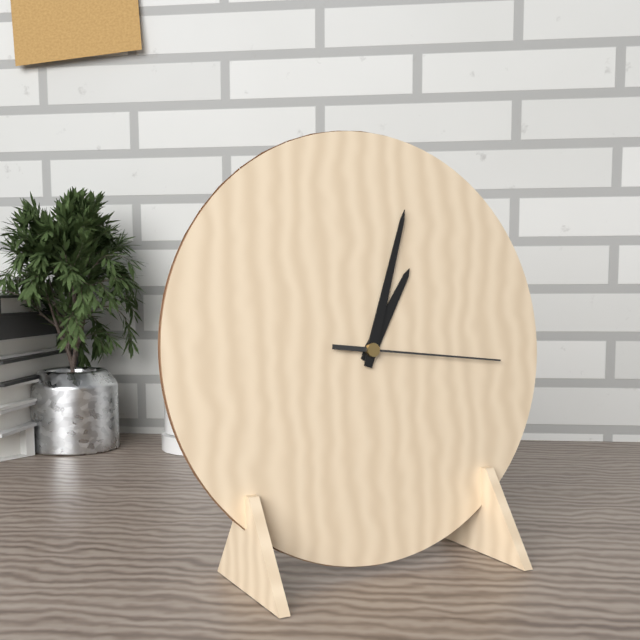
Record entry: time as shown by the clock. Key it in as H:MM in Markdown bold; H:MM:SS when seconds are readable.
**1:03:16**
